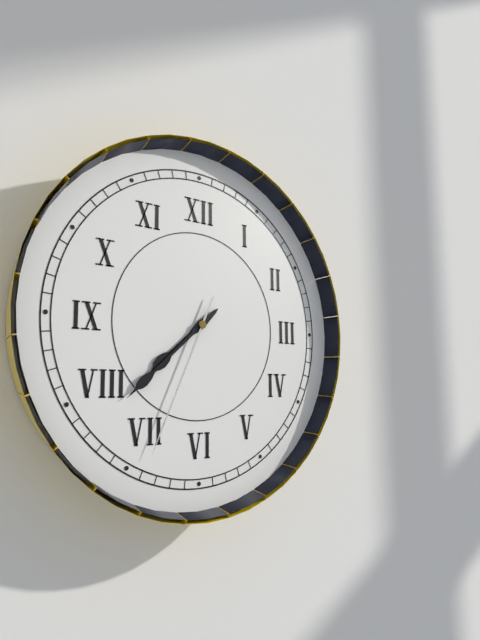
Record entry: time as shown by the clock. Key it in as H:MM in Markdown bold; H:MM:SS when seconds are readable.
**7:38:34**
